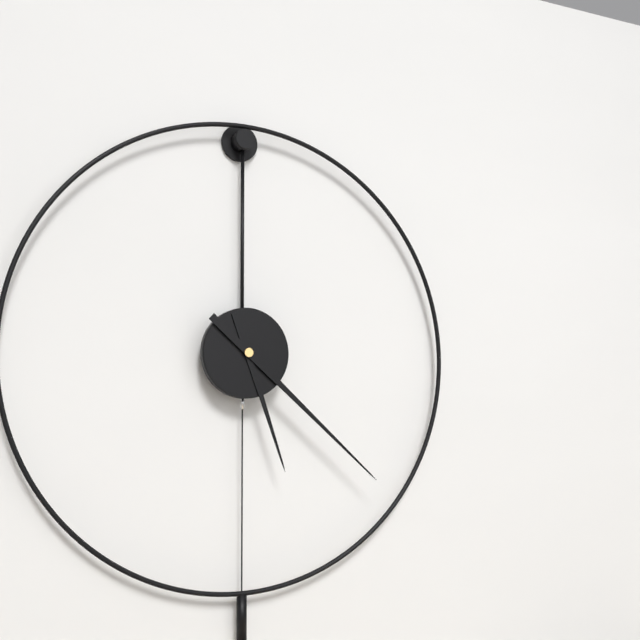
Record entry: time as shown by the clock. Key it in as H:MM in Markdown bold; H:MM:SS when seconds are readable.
**5:22**
